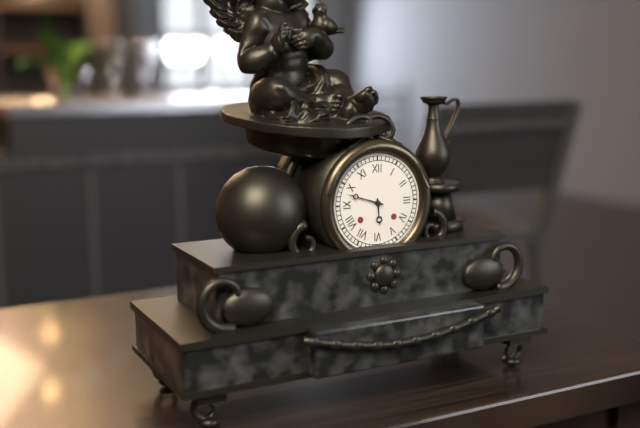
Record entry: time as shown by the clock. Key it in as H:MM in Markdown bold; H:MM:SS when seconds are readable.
**5:48**
